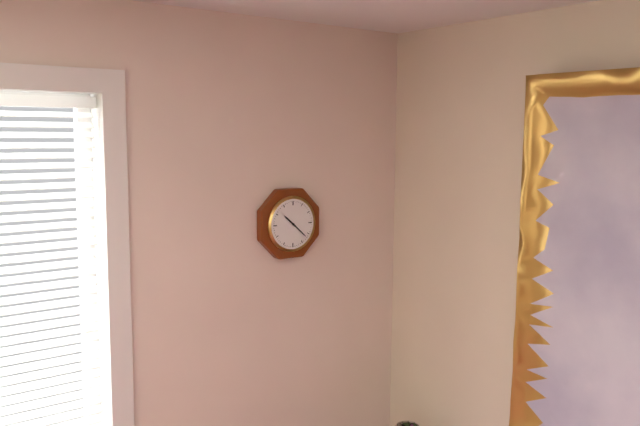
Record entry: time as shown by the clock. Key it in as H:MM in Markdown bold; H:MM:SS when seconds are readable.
**10:22**
